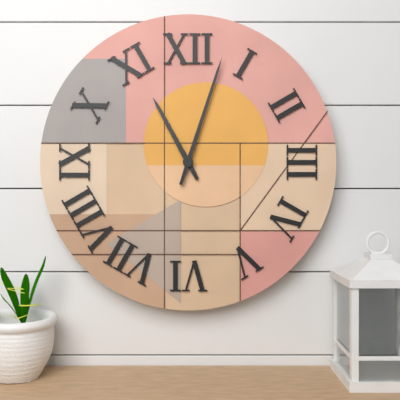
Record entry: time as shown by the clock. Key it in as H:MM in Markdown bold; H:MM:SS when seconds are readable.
**11:03**
